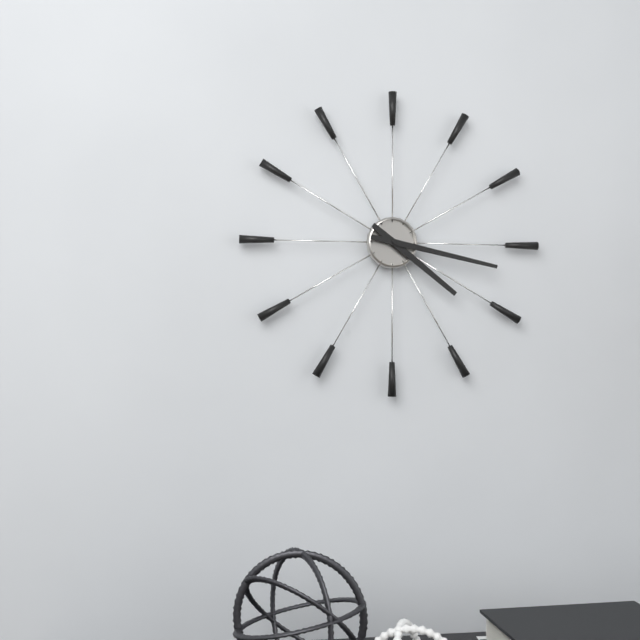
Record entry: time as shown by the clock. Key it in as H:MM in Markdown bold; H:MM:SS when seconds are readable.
**4:17**
